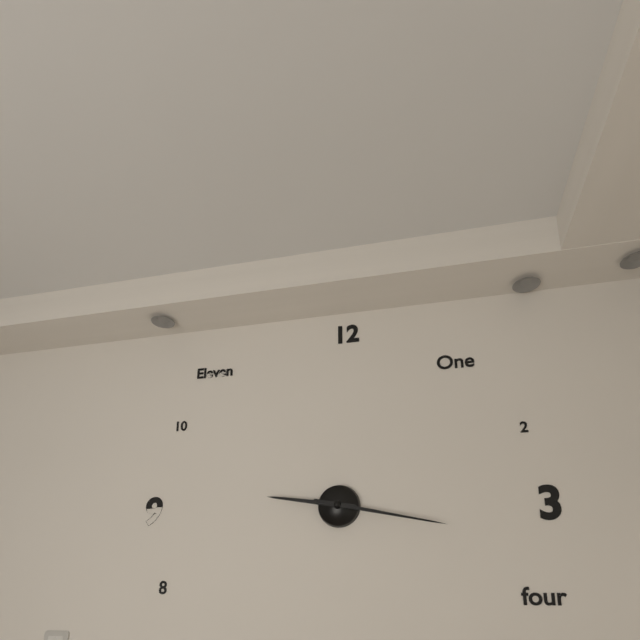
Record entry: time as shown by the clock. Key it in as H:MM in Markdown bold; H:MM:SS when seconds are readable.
**9:17**
